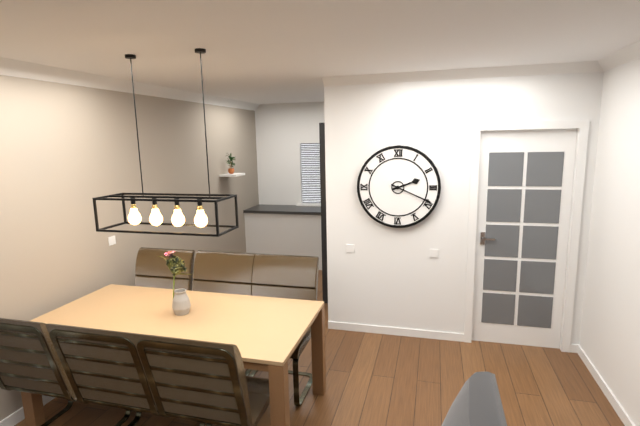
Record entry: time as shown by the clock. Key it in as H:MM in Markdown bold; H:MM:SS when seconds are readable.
**2:19**
